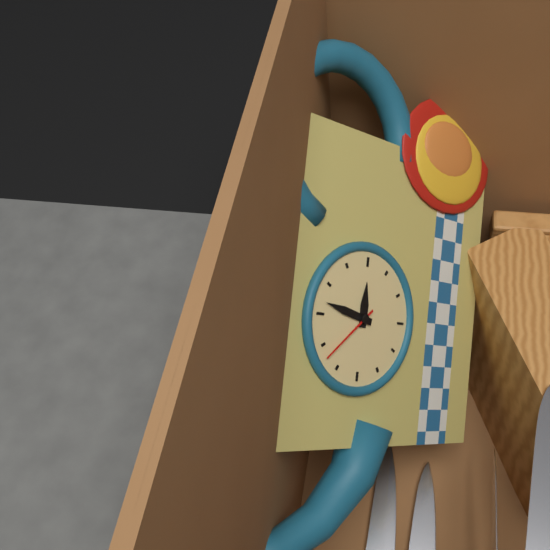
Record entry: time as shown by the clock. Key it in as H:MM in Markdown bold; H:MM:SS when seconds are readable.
**3:02:53**
